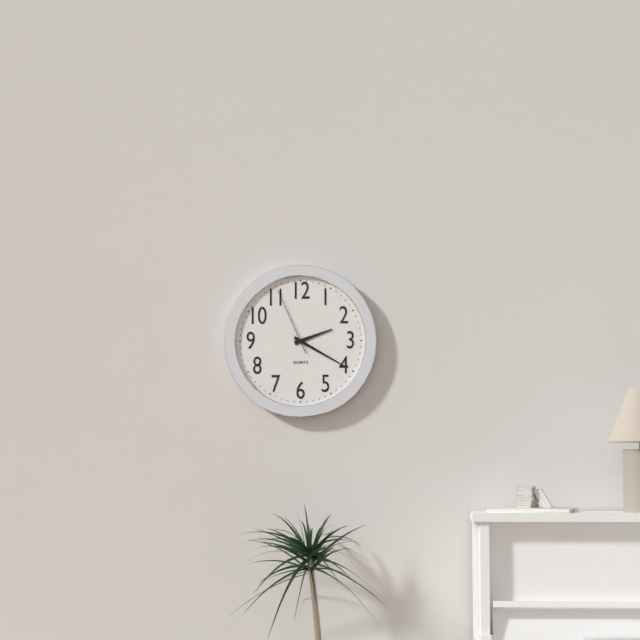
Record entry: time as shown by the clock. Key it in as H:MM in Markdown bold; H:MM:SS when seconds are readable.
**2:20:56**
